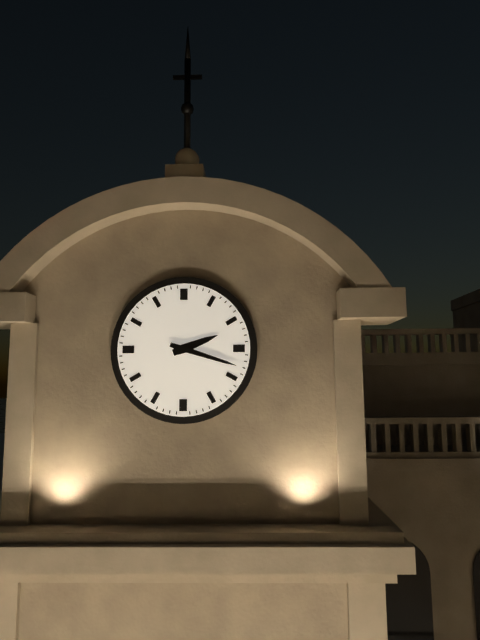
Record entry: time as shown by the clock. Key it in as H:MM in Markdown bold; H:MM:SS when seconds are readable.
**2:18**
